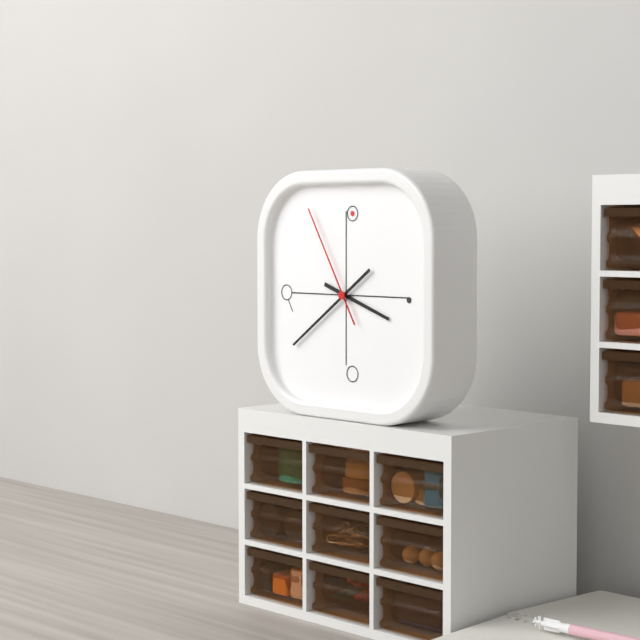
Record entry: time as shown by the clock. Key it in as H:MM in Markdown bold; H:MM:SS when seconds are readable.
**3:39:55**
